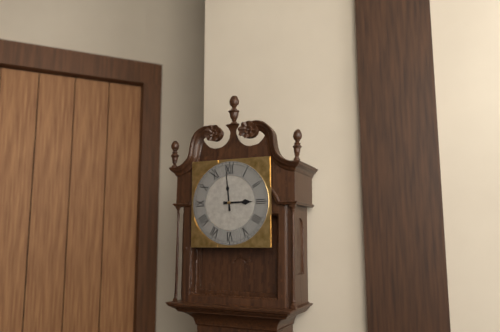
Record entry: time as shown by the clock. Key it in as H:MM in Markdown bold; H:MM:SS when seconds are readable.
**2:59**
